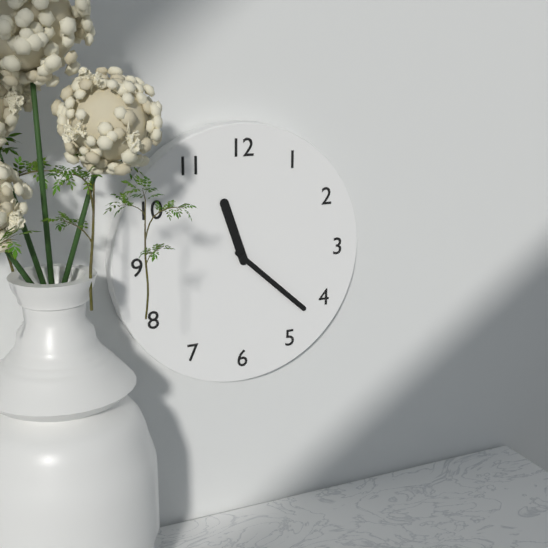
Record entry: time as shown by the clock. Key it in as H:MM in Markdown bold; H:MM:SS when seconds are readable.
**11:22**
